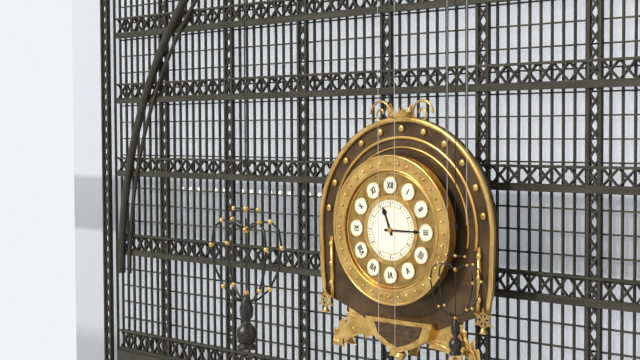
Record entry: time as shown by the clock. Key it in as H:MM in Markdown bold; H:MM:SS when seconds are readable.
**11:15**
